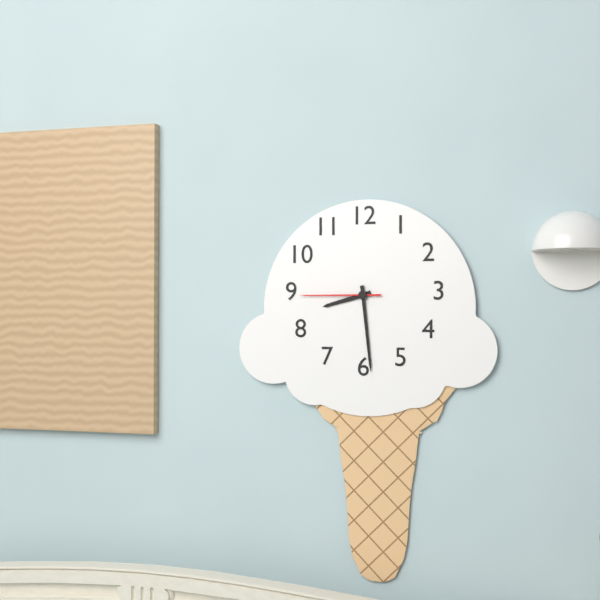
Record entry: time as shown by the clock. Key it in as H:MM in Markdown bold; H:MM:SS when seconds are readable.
**8:29:45**
